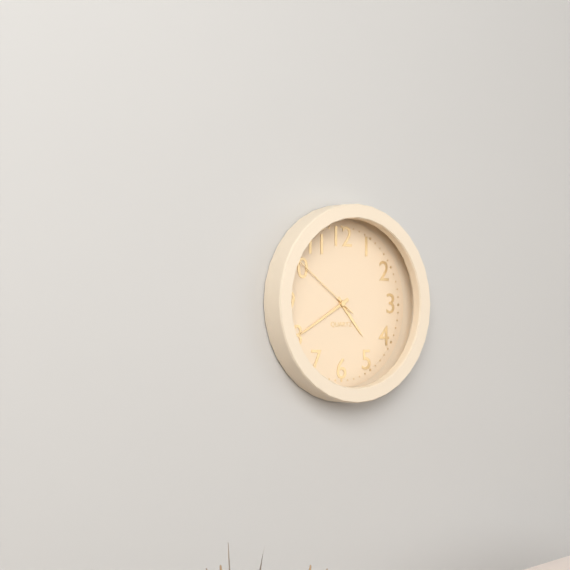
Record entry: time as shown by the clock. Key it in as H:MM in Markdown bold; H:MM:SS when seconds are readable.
**4:40:51**
